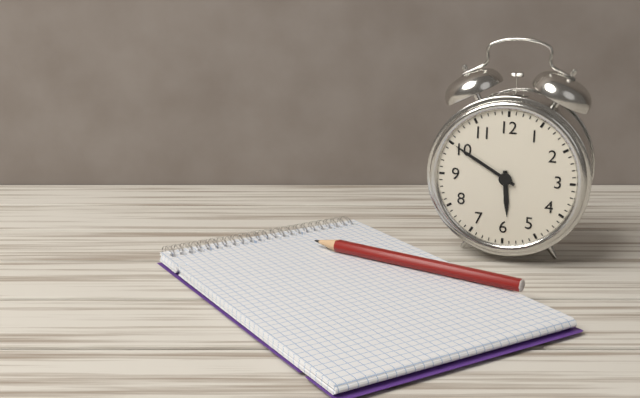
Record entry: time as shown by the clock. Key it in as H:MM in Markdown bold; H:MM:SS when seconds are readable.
**5:50**
